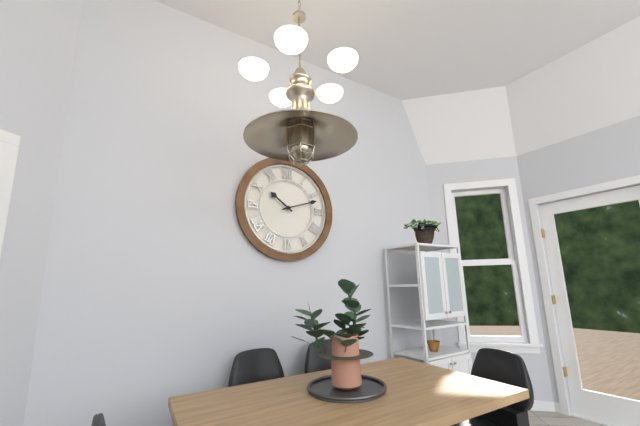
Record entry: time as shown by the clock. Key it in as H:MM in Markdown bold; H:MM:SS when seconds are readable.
**10:12**
